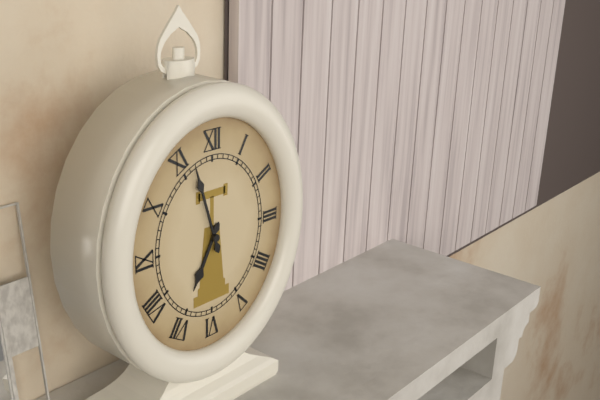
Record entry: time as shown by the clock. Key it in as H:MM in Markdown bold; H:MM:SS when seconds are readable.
**6:57**
